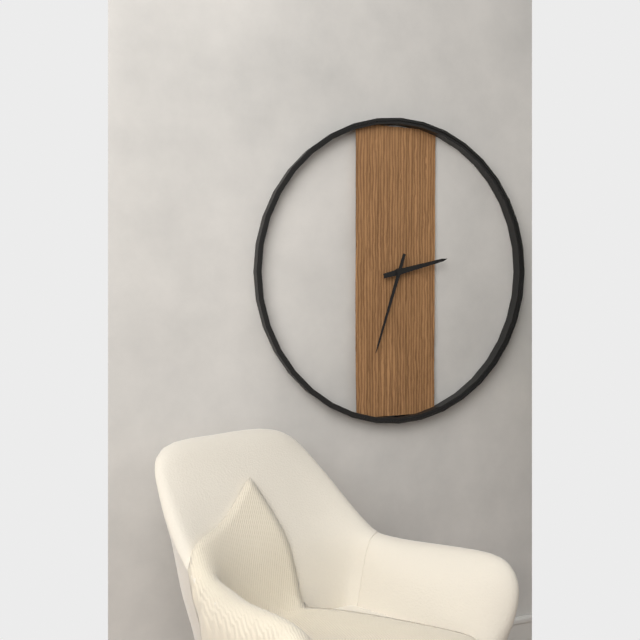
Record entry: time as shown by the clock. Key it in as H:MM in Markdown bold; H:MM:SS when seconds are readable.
**2:33**
